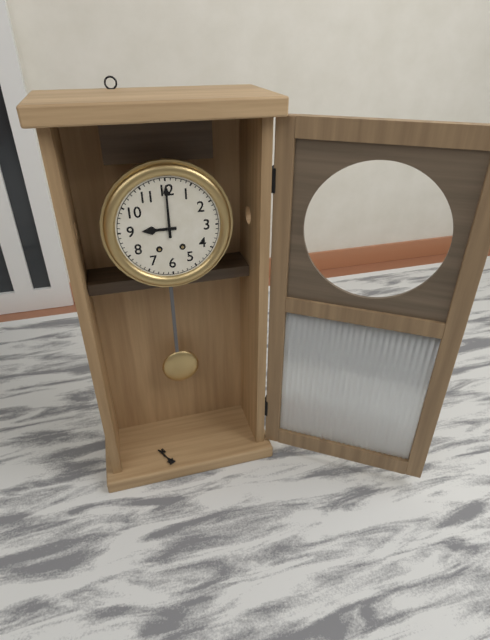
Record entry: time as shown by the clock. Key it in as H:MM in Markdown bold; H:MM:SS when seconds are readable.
**9:00**
